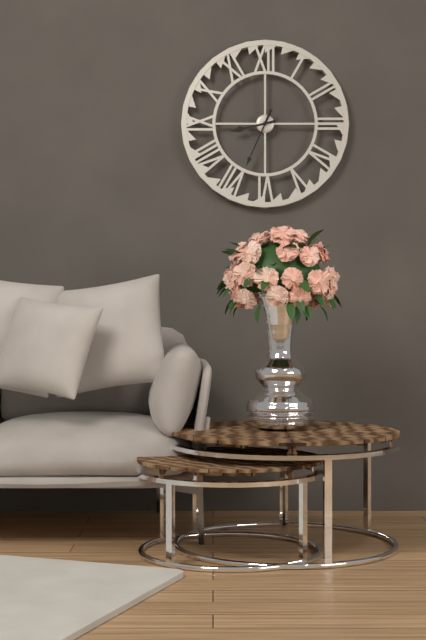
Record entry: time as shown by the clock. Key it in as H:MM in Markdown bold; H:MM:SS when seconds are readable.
**8:34**
